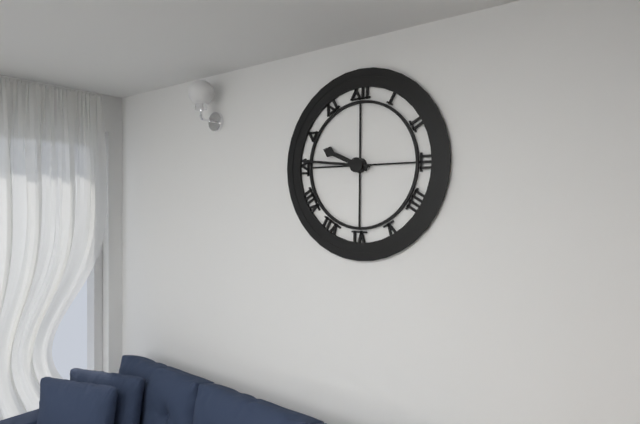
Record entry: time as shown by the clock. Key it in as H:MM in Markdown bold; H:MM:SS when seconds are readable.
**9:46**
